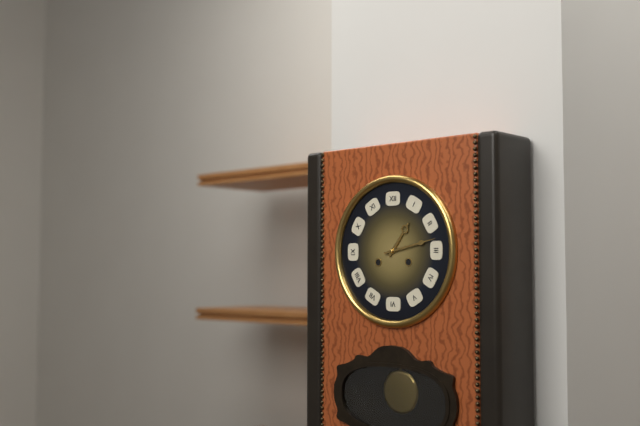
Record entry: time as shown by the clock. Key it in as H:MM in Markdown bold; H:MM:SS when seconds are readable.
**1:13**
